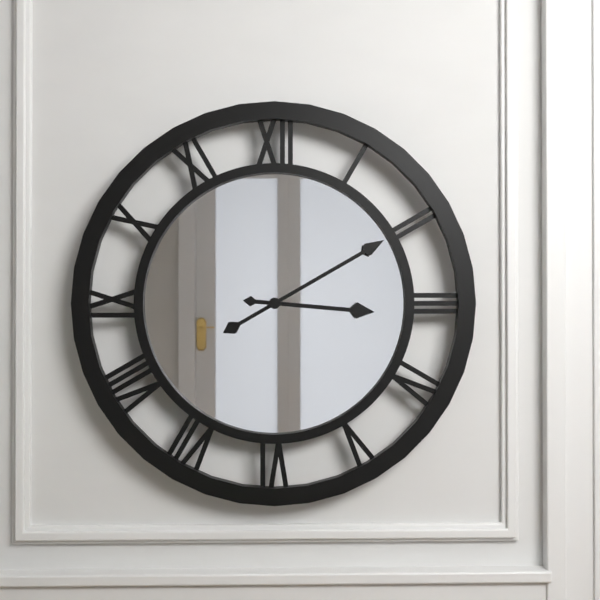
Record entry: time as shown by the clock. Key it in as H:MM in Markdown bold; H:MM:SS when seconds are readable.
**3:10**
